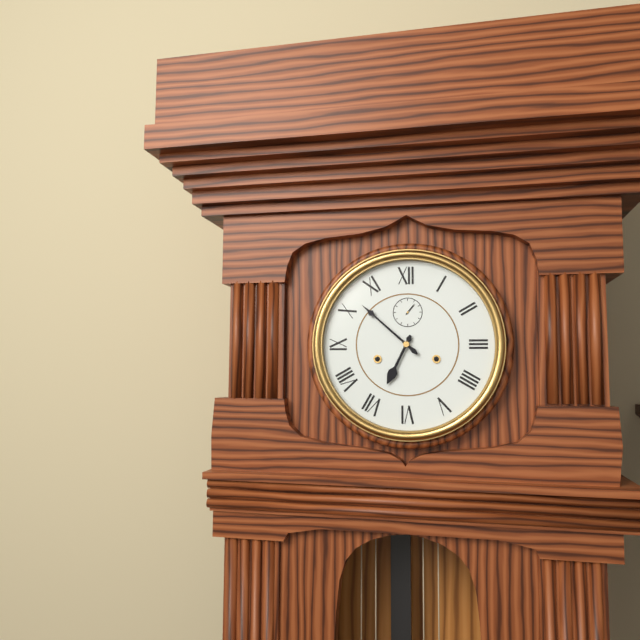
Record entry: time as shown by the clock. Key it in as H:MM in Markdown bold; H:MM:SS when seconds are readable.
**6:52**
